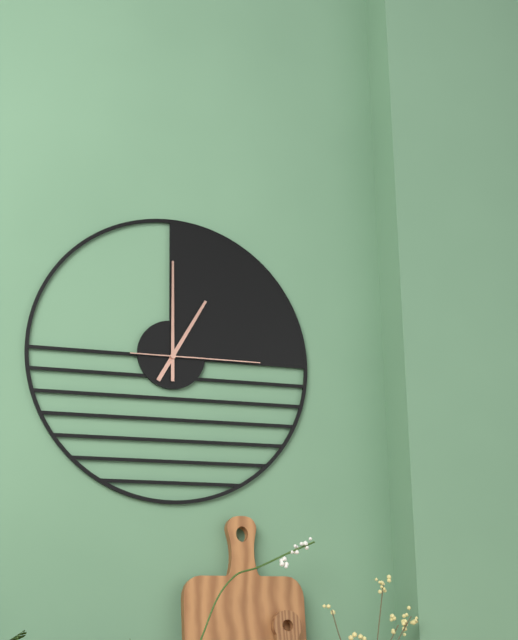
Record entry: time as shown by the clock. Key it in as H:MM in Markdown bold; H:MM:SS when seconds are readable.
**1:00:15**
